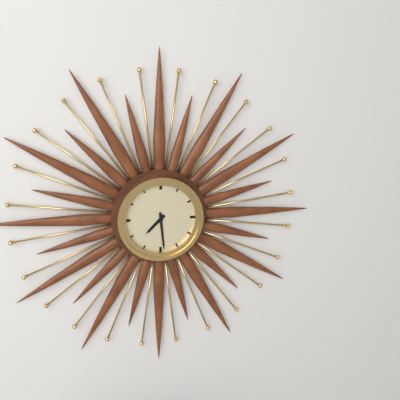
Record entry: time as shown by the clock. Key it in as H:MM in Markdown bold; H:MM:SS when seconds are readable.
**7:29**
